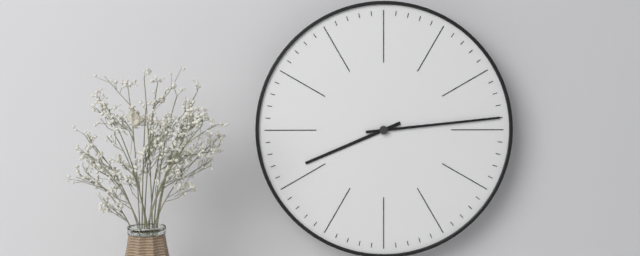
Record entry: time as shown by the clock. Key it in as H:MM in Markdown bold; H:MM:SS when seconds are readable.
**8:14**
